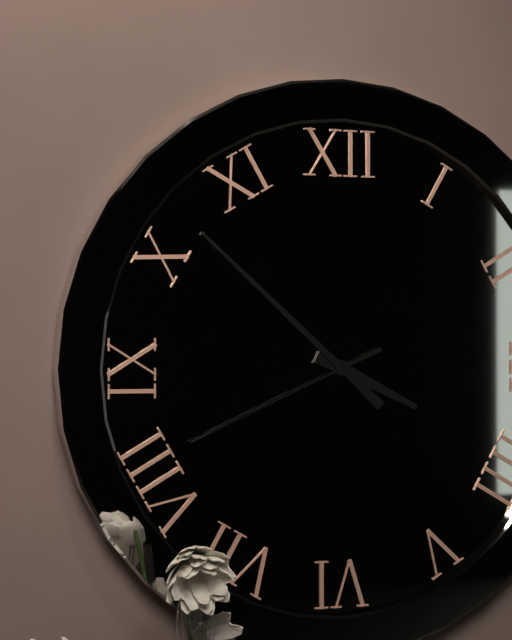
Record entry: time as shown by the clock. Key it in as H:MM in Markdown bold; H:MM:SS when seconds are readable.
**3:52:41**
